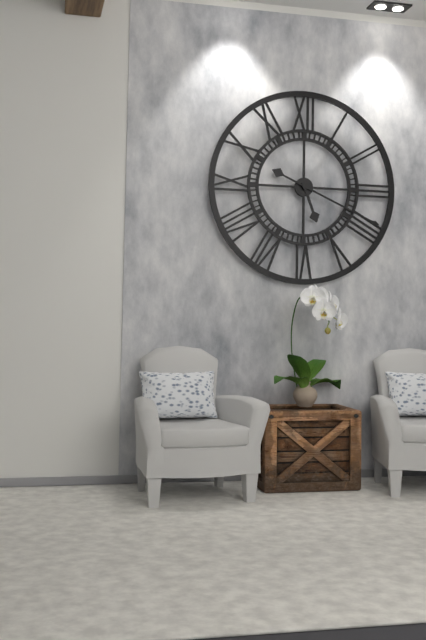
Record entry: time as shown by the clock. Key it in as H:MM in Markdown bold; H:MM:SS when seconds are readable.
**5:19**
